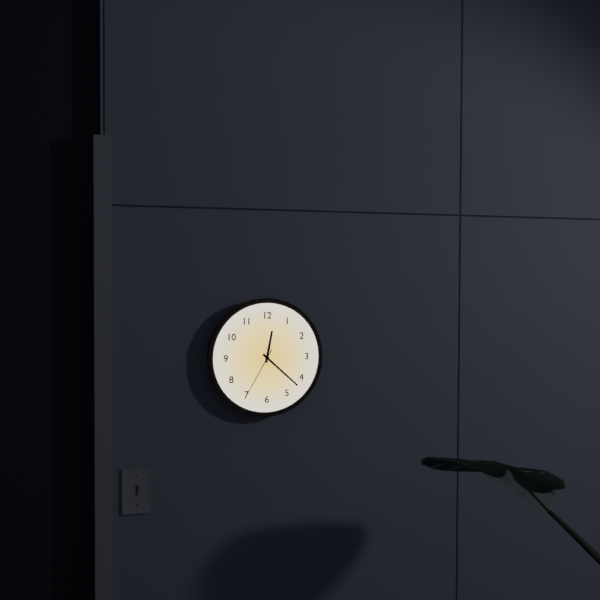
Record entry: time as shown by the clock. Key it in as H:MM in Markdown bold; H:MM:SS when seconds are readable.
**12:22:35**
